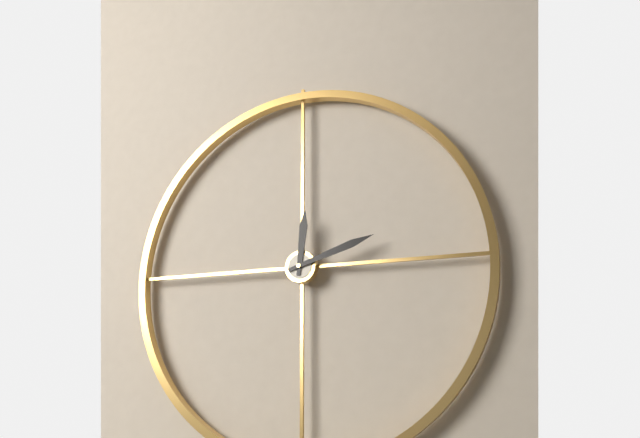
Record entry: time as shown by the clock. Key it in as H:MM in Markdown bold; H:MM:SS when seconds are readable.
**12:12**
